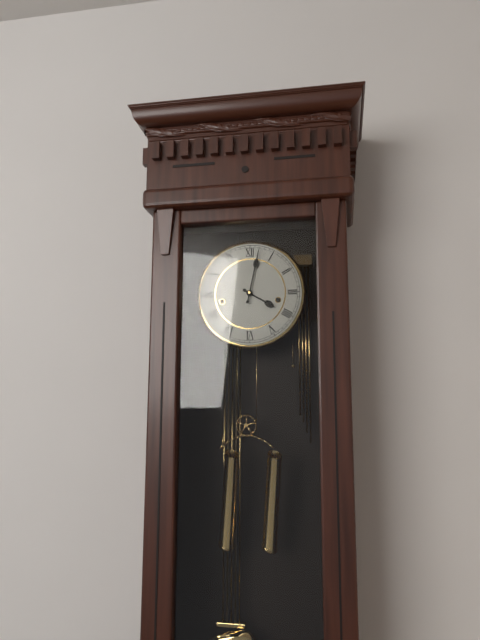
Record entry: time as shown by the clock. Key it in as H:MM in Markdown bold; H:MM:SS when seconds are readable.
**4:02**
